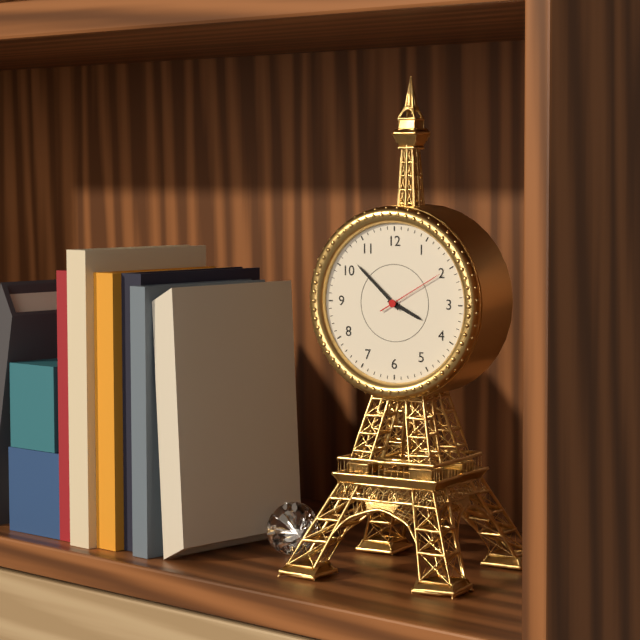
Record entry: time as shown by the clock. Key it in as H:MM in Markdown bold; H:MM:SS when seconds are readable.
**3:52:10**
